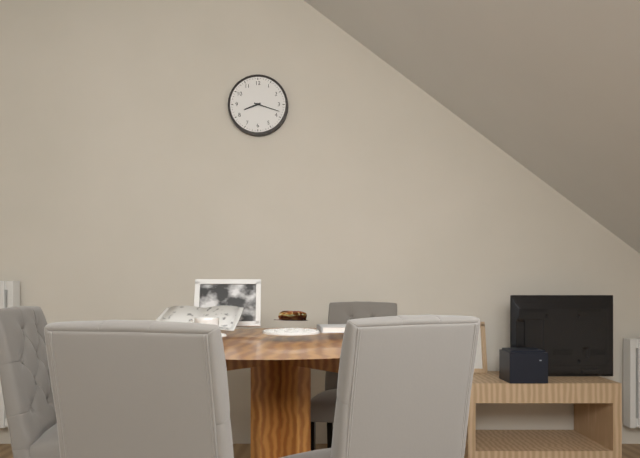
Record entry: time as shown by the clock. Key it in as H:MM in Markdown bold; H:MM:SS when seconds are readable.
**8:18**
